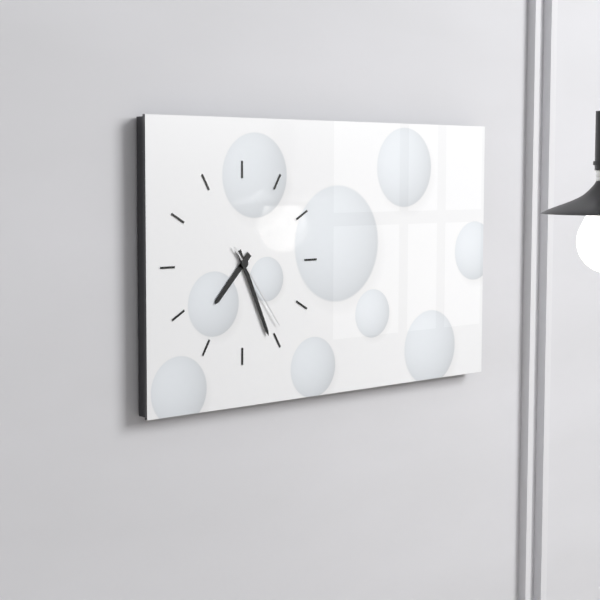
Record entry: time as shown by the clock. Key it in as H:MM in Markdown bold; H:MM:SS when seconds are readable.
**7:26:24**
